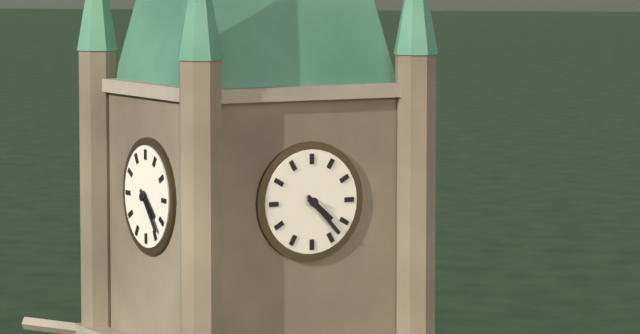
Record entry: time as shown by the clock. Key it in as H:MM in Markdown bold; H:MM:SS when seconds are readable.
**4:23**
